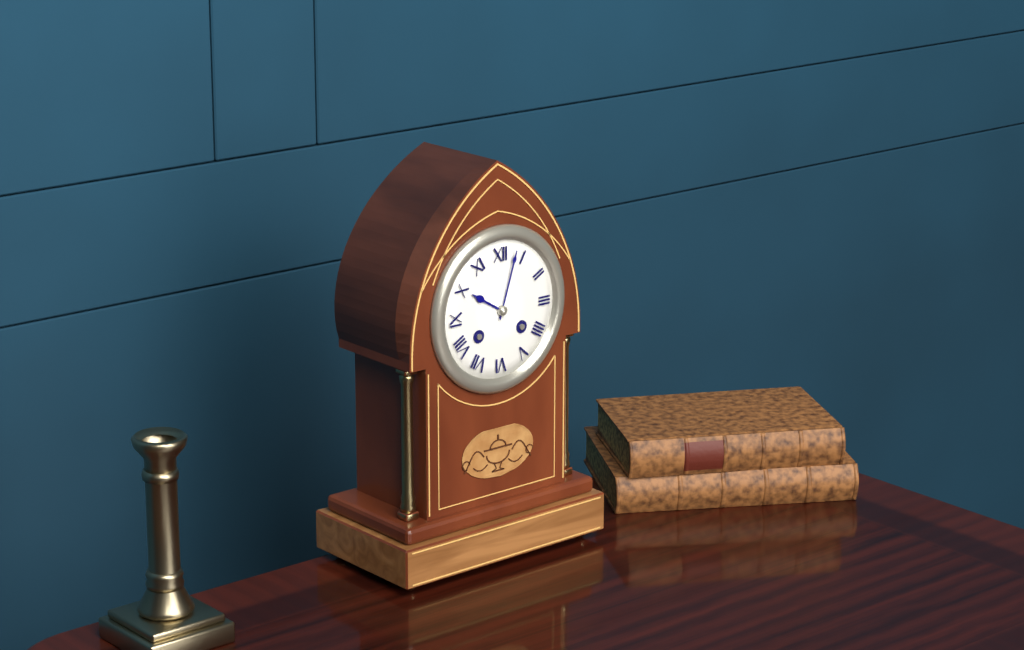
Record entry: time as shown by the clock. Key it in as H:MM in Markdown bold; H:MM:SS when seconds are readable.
**10:03**
